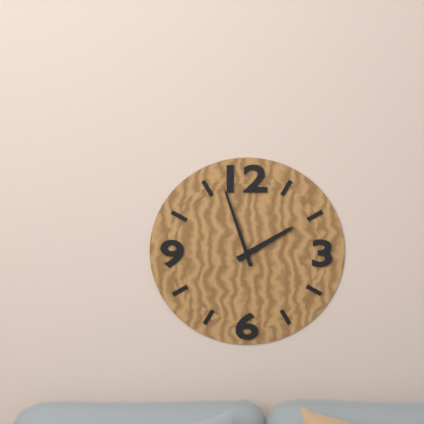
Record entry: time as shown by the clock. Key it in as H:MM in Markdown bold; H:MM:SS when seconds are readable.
**1:57**
